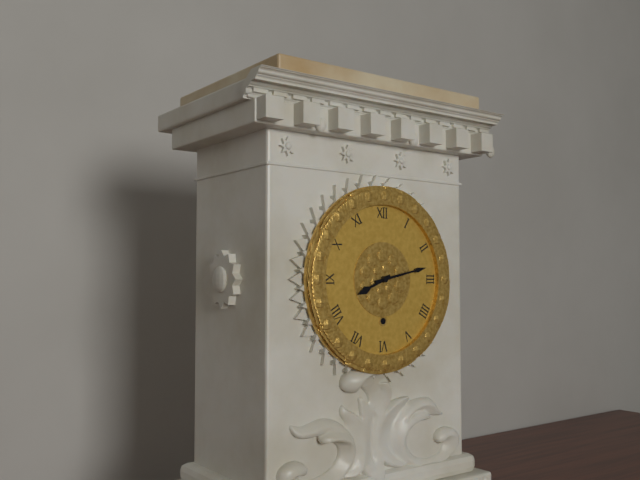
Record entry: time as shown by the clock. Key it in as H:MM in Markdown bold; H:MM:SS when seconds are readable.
**8:13**
